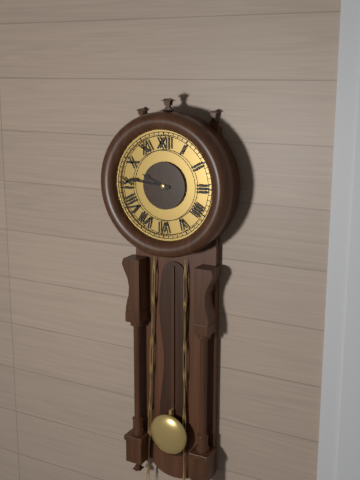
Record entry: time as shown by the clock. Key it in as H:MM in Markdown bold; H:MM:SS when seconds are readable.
**9:46**
